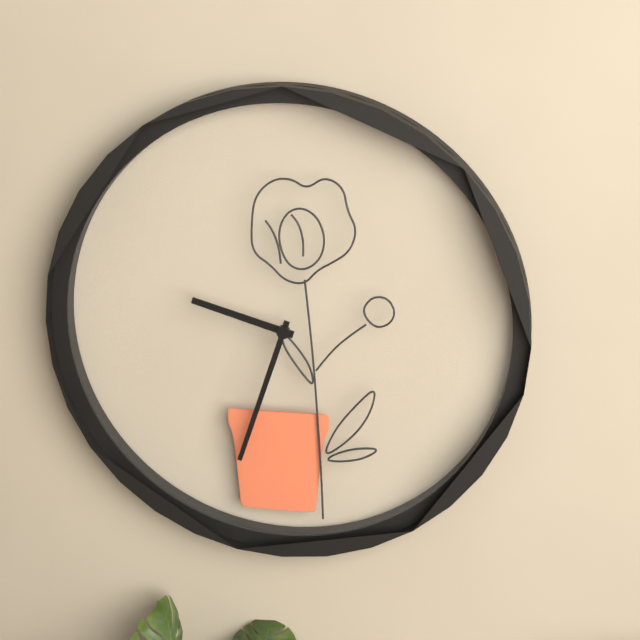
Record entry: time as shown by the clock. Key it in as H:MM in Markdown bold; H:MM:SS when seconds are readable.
**9:33**
